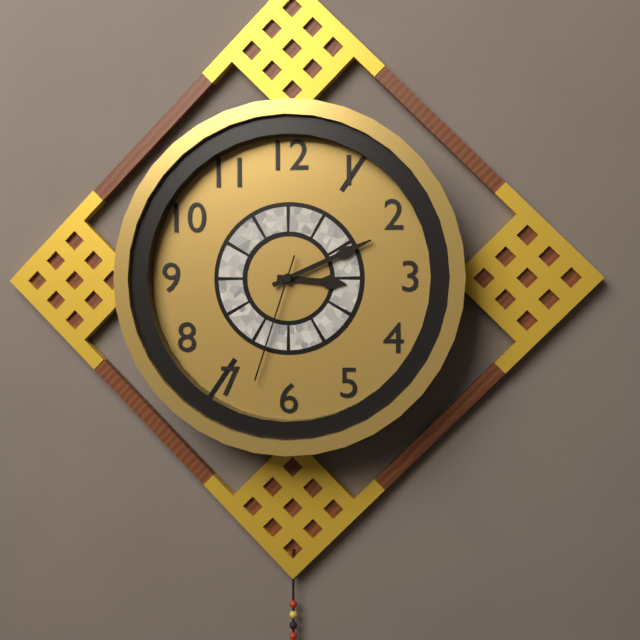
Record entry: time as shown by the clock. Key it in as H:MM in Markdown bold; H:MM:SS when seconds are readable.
**3:11:33**
